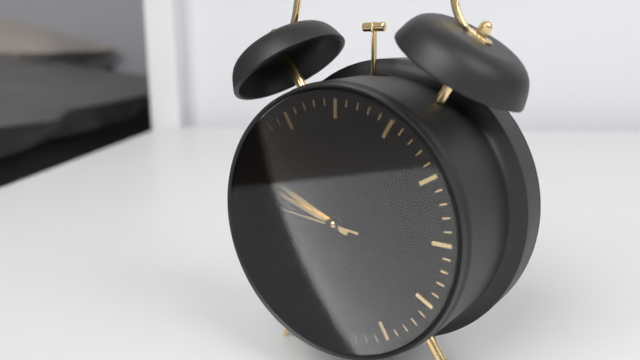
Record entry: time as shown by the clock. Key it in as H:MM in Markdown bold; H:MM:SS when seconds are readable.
**9:48:46**
